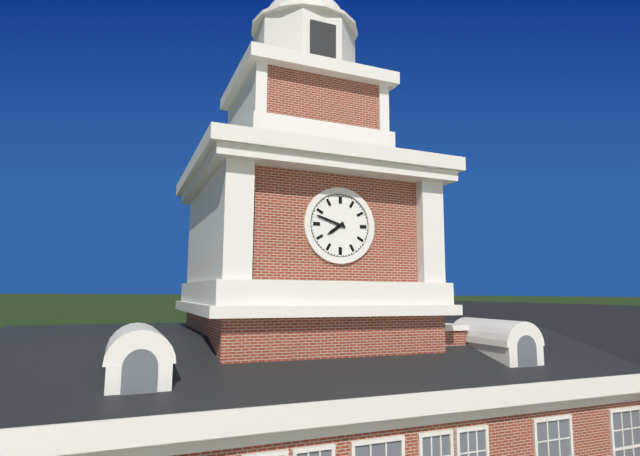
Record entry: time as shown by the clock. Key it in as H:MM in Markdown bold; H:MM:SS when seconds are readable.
**7:48**
